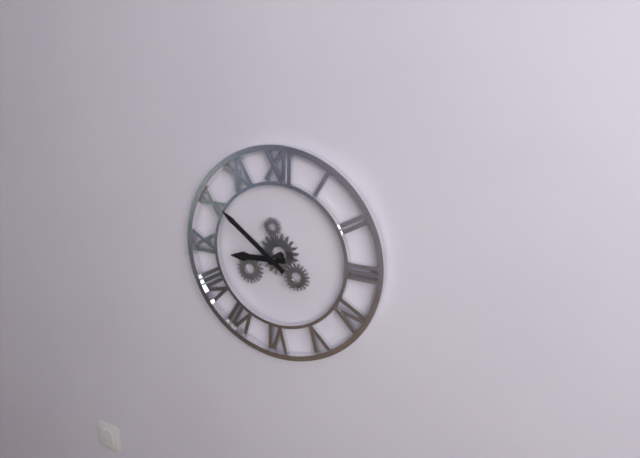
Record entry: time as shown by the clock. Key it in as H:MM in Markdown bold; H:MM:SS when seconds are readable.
**8:51**
